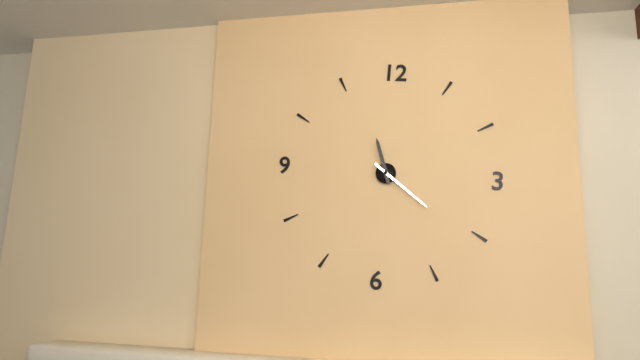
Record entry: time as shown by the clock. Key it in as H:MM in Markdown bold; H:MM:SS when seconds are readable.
**11:21**
